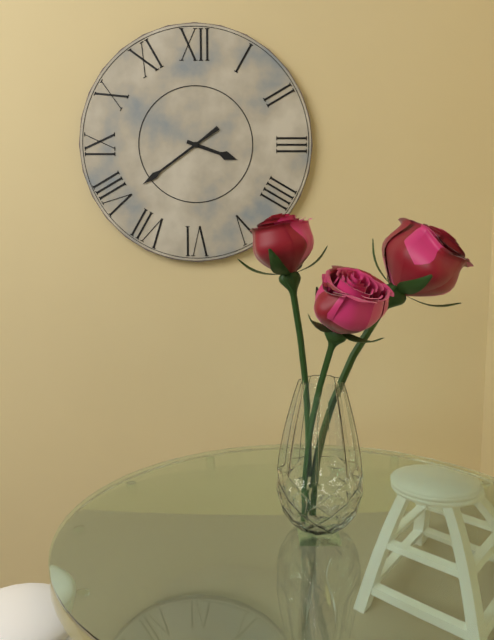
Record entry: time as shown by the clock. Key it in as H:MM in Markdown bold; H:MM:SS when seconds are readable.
**3:39**
